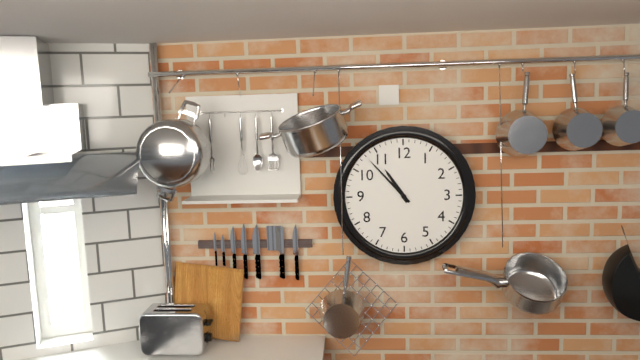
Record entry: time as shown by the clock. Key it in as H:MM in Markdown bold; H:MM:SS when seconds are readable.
**10:53**
